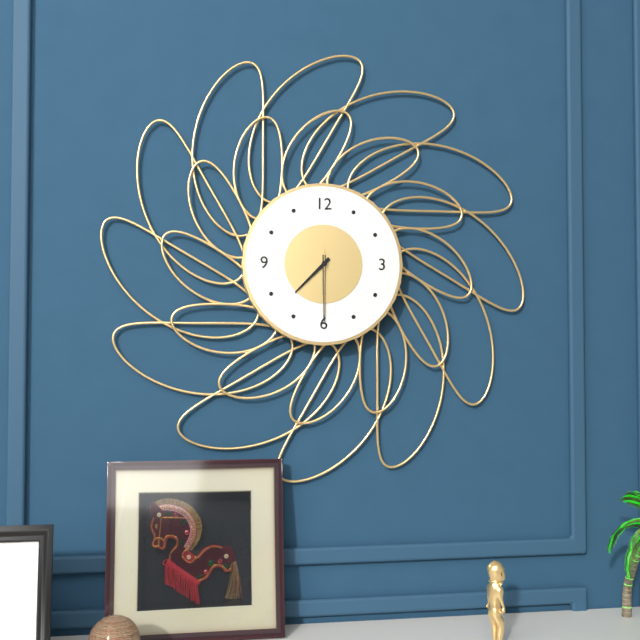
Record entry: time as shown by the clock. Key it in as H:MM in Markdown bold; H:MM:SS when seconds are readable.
**7:30:30**
